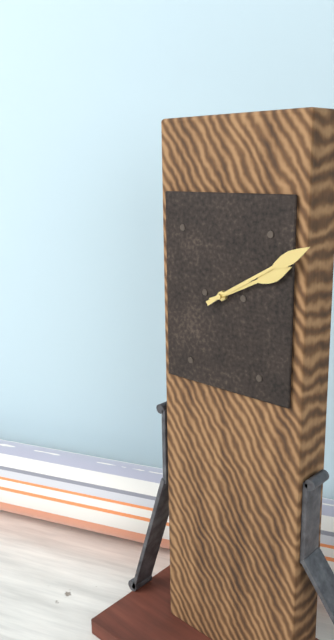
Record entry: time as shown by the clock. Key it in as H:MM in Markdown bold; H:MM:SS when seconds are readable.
**2:10**
